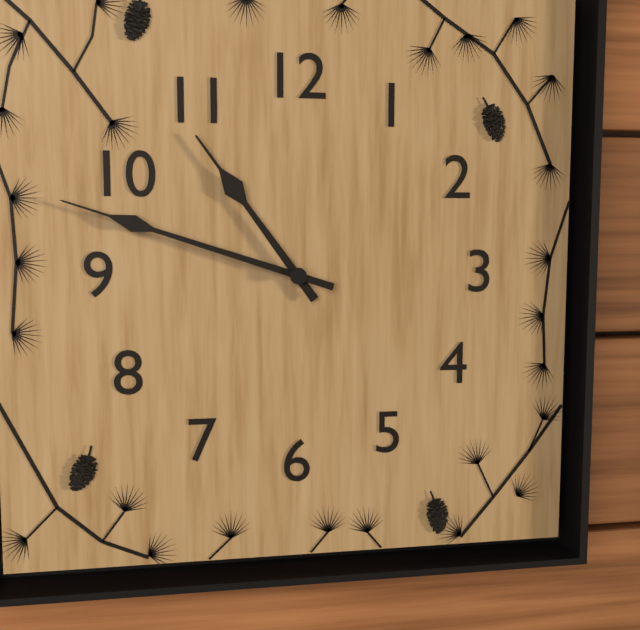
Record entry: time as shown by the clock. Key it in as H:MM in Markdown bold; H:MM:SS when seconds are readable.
**10:48**
